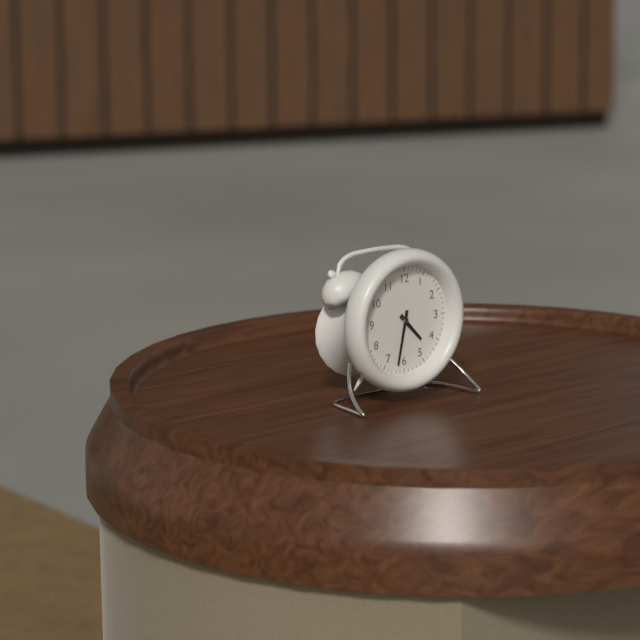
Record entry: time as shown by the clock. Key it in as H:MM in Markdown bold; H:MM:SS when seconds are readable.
**4:32**
